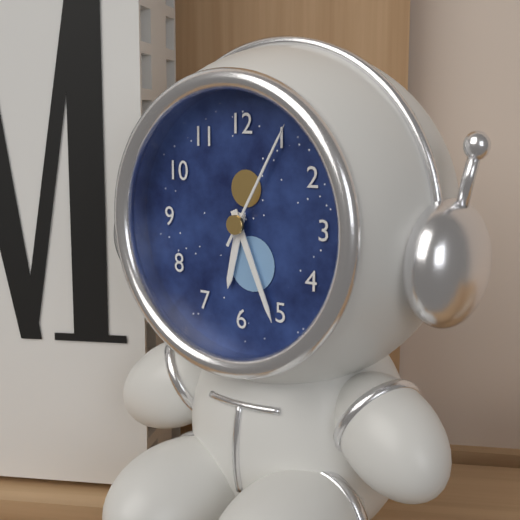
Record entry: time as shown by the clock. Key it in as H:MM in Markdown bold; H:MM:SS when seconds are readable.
**6:26:05**
